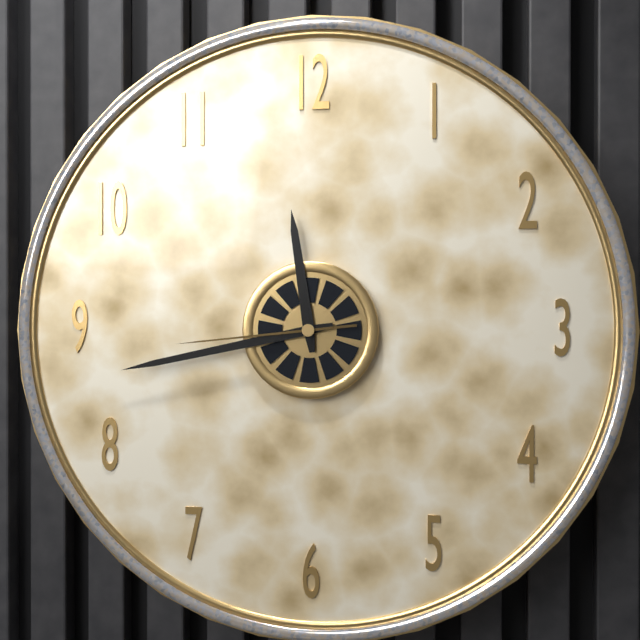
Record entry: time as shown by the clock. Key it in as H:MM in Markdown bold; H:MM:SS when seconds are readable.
**11:43:44**
